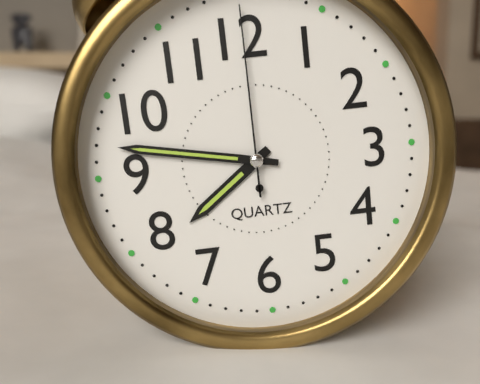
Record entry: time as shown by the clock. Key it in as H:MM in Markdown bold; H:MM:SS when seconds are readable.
**7:47:00**
